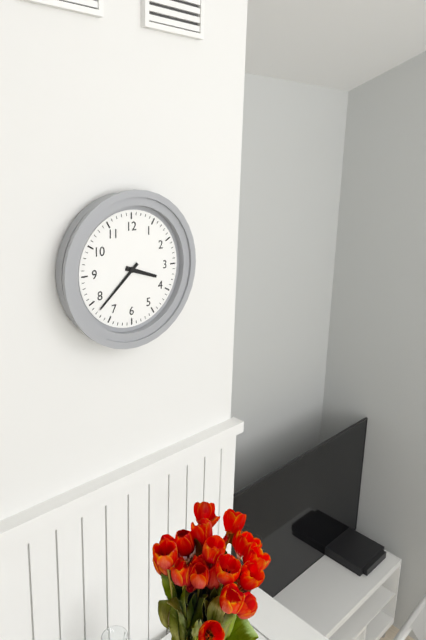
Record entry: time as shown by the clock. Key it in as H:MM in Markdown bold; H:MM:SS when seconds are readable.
**3:38**
